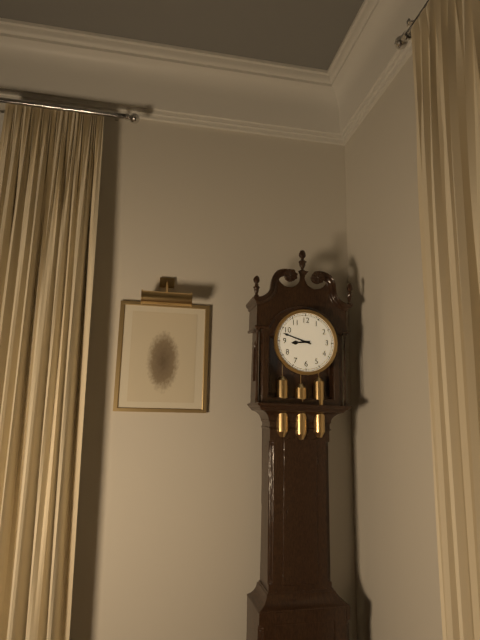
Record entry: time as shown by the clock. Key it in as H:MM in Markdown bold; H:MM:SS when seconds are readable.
**8:48**
